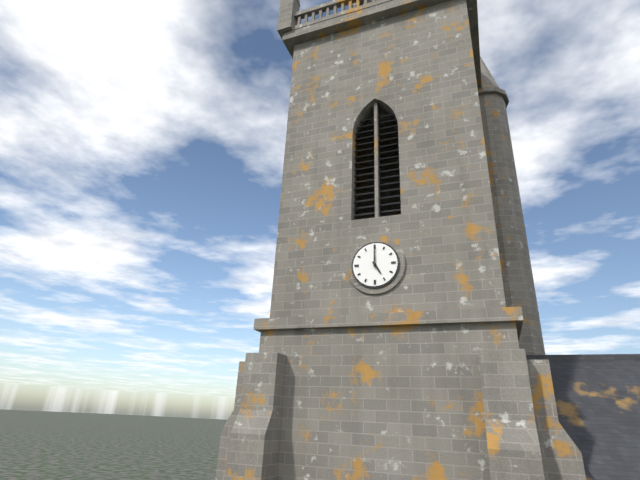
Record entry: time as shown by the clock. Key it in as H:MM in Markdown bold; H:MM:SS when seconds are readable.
**5:00**
